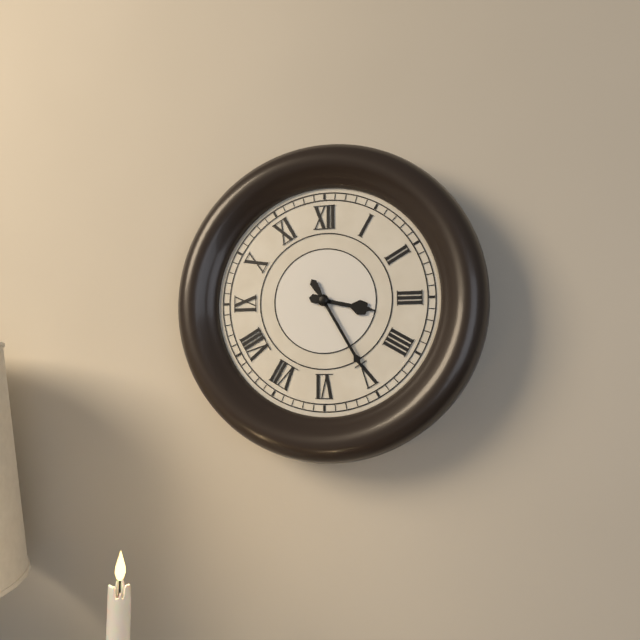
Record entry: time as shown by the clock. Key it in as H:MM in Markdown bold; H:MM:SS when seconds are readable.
**3:25**
